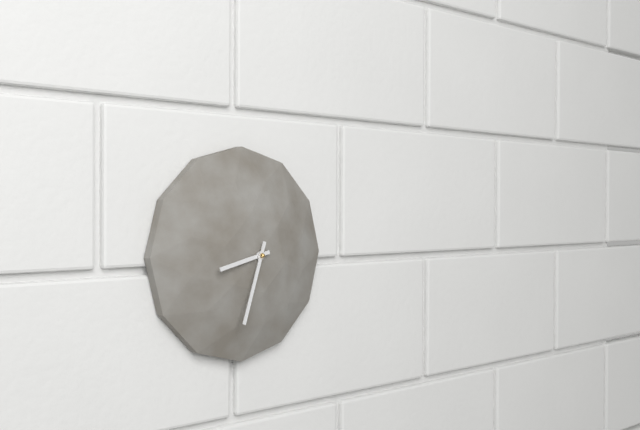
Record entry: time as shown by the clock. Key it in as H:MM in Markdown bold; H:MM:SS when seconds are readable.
**8:33**
